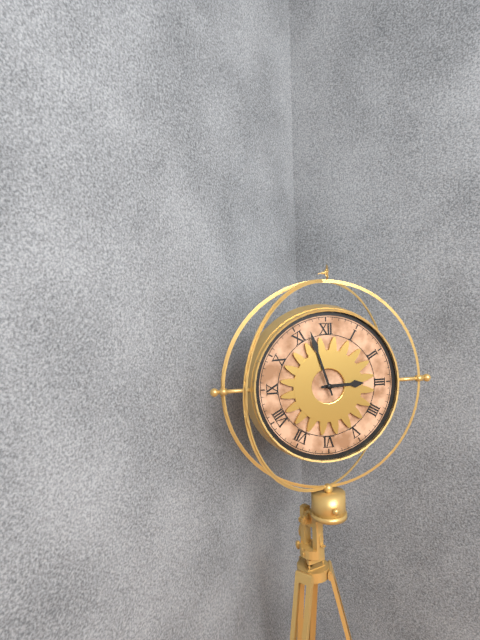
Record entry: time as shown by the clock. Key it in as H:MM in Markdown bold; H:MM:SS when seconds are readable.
**2:57**
